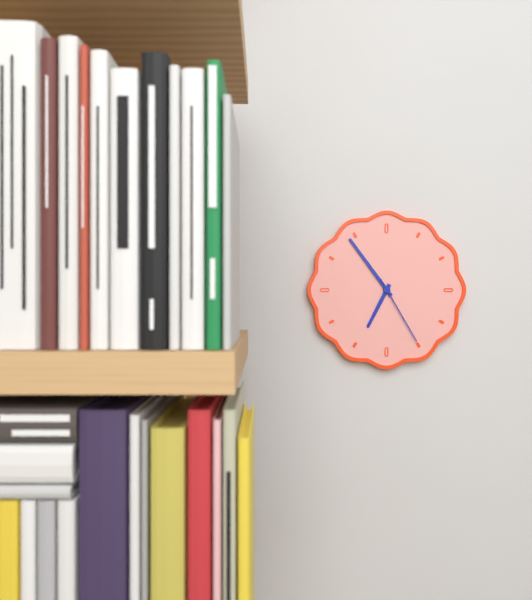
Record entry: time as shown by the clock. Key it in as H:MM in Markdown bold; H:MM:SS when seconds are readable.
**6:54:25**
